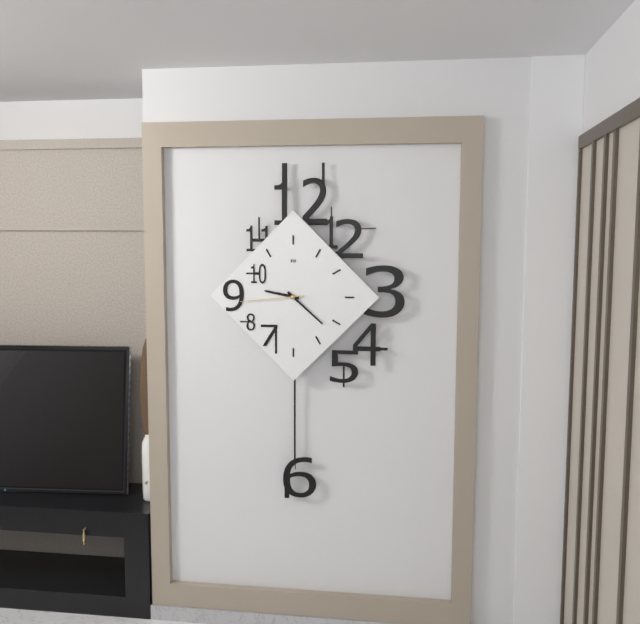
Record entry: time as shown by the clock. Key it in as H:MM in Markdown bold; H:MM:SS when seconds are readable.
**9:22:44**
